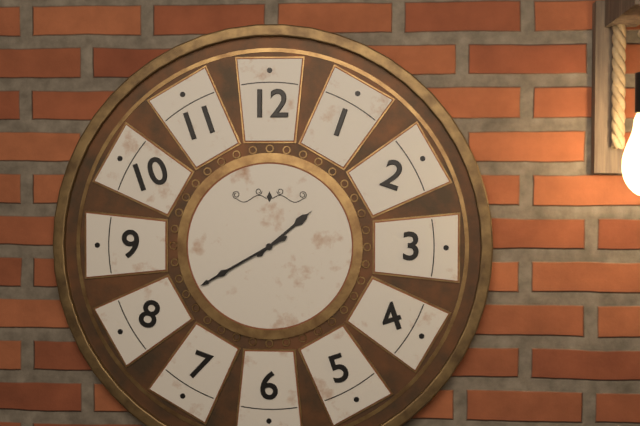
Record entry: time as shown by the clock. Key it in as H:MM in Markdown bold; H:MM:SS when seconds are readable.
**1:40**
